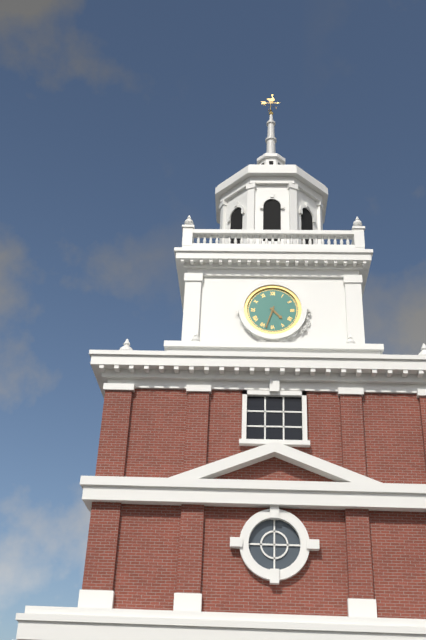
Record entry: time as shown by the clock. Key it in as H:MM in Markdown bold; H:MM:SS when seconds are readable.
**4:33**
